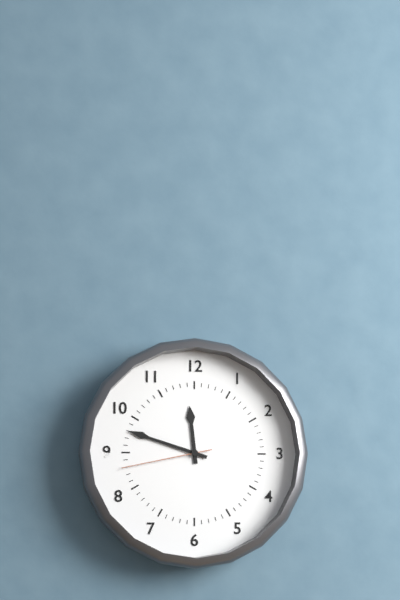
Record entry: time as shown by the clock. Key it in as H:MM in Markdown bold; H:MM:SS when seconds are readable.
**11:48:43**
